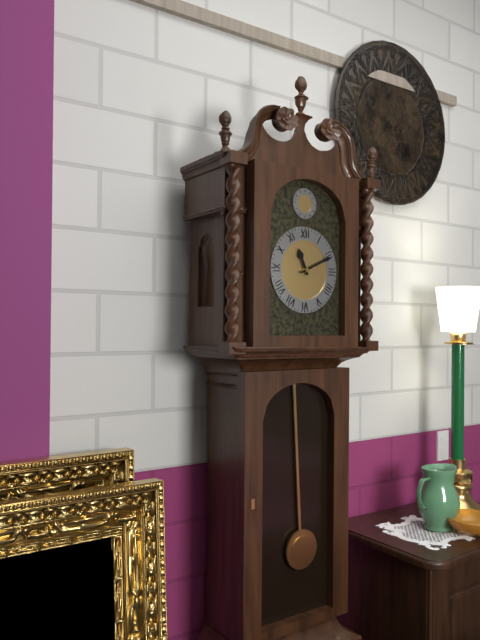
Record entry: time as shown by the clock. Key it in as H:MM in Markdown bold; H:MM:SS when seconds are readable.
**11:11**
